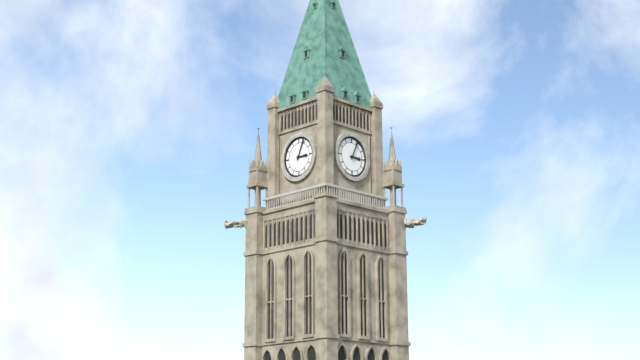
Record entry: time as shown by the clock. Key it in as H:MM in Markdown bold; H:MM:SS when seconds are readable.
**3:04**
